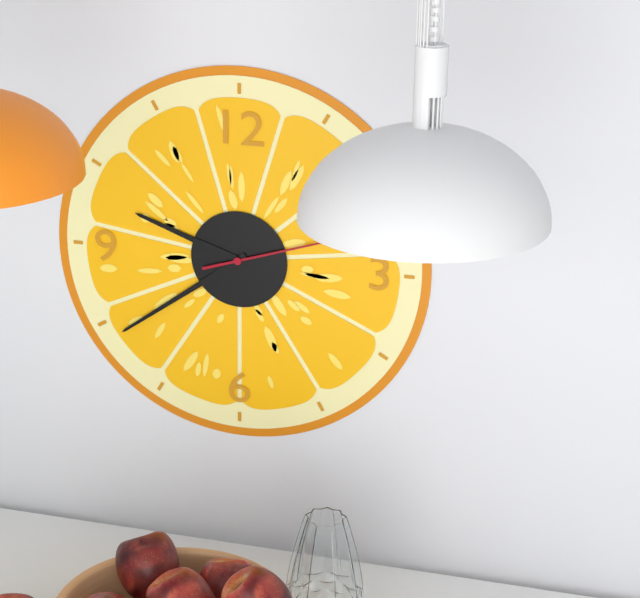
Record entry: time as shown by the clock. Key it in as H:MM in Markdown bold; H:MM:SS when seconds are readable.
**9:39:12**
